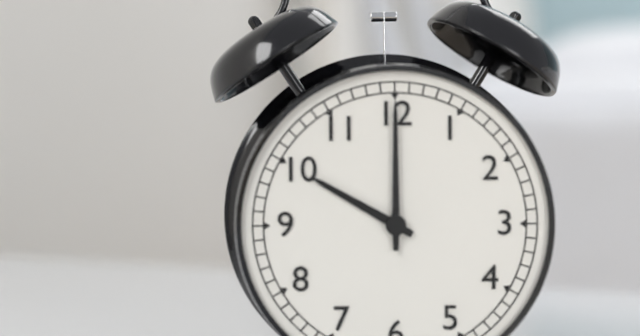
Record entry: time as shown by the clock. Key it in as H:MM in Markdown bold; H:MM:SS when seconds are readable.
**10:00**
